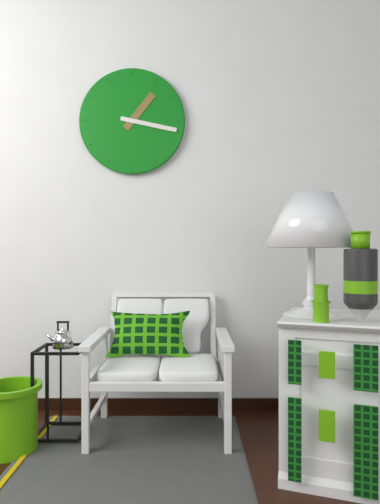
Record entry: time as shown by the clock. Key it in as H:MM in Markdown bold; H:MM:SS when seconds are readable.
**1:17**
